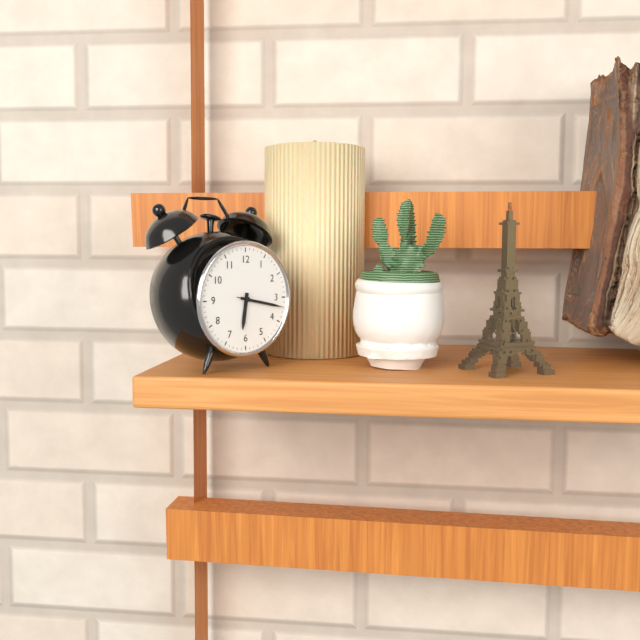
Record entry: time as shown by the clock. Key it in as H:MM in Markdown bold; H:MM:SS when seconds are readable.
**6:17**
